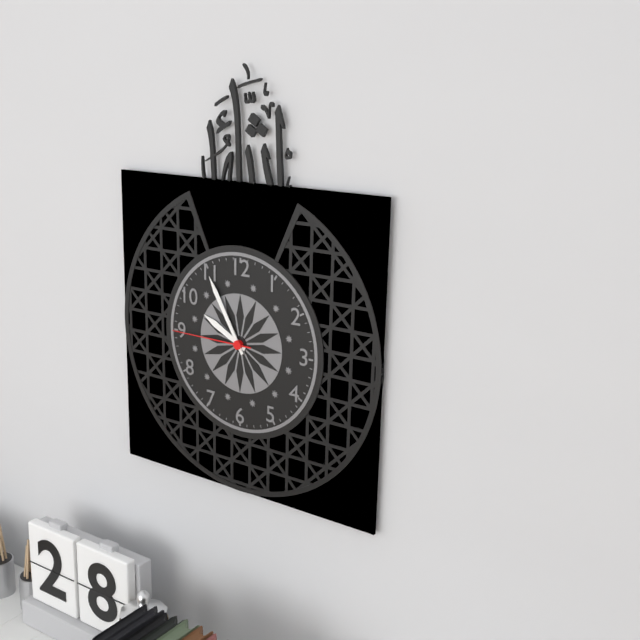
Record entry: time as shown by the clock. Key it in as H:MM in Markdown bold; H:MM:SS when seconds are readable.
**9:55:45**
